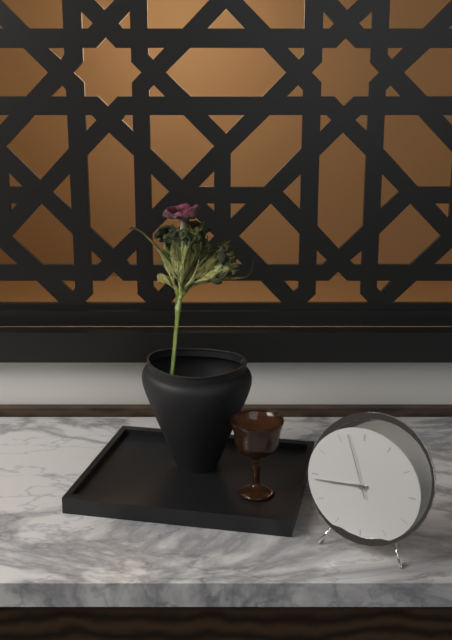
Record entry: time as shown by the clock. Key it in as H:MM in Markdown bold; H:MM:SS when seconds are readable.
**8:44:57**
